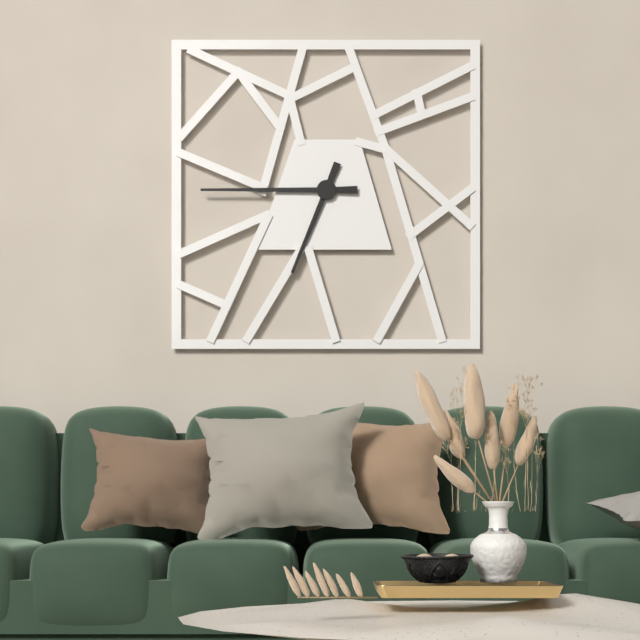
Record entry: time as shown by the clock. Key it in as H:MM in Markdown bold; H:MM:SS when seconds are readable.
**6:45**
